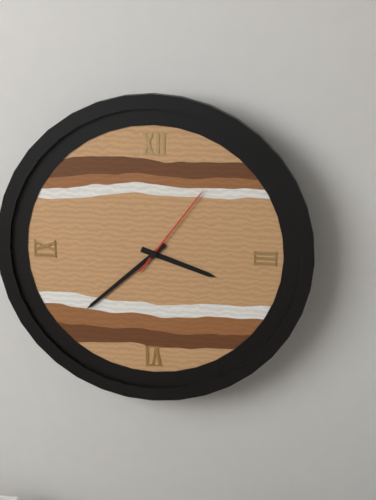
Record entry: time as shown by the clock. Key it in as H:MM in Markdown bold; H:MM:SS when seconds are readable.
**3:38:06**
